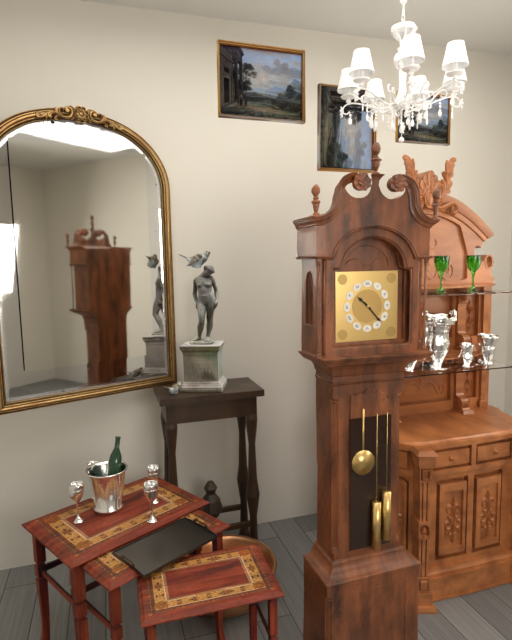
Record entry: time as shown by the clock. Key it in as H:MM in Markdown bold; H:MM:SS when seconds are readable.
**10:23**
